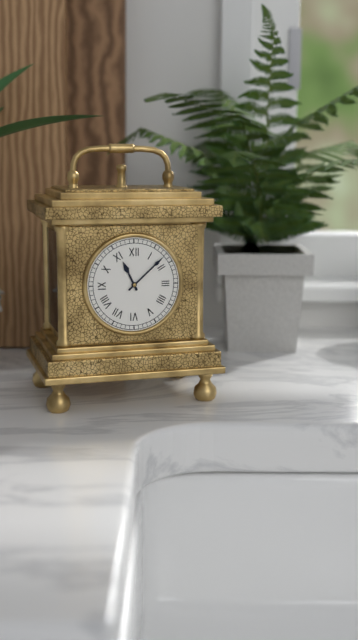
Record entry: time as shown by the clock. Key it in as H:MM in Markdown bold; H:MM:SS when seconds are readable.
**11:08**
